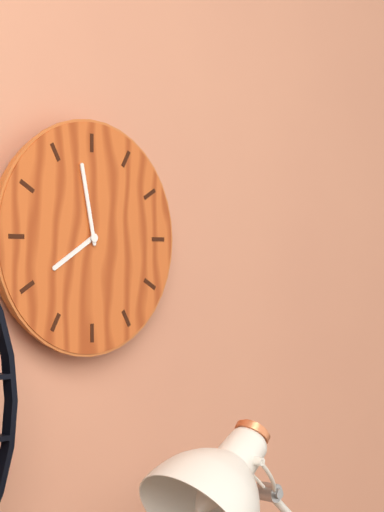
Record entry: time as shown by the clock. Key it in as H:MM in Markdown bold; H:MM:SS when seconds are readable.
**7:58**
